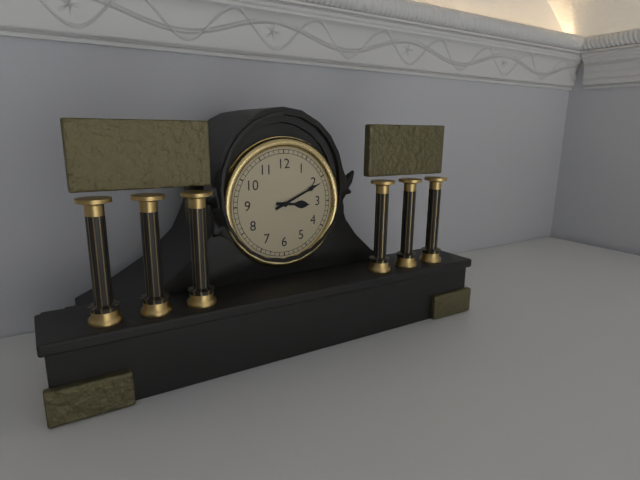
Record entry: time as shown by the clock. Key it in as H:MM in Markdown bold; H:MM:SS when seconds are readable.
**3:11**
